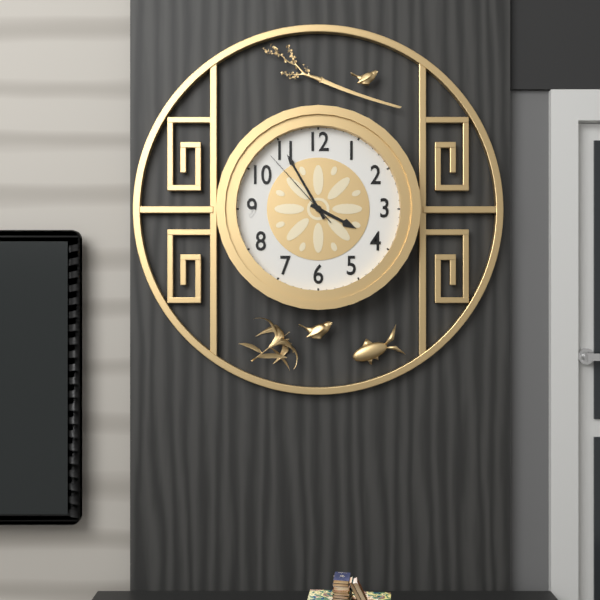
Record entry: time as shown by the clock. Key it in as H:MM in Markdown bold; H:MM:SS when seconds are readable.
**3:55:53**
